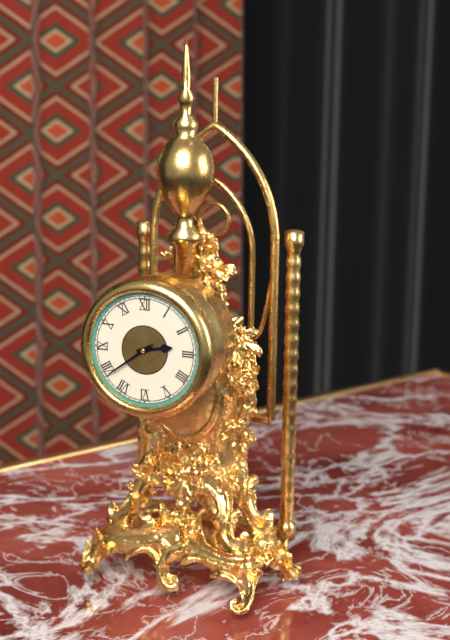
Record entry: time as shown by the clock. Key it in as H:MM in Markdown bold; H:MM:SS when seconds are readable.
**2:39**
